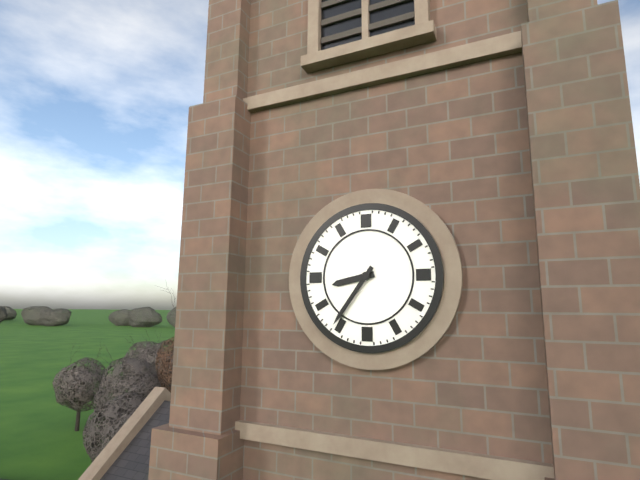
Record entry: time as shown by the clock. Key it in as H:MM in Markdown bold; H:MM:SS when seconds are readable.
**8:36**
